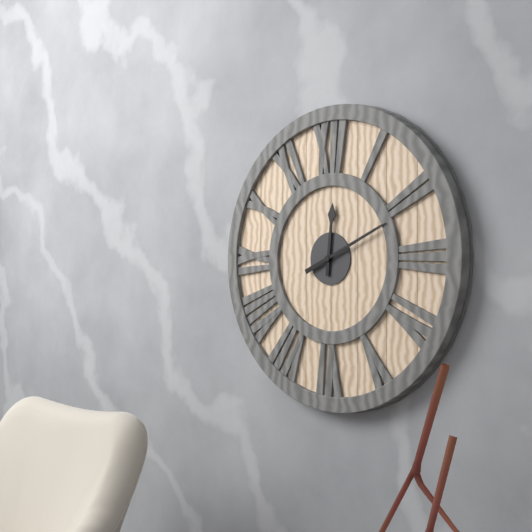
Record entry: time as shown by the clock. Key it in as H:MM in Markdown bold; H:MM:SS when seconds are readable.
**12:11**
